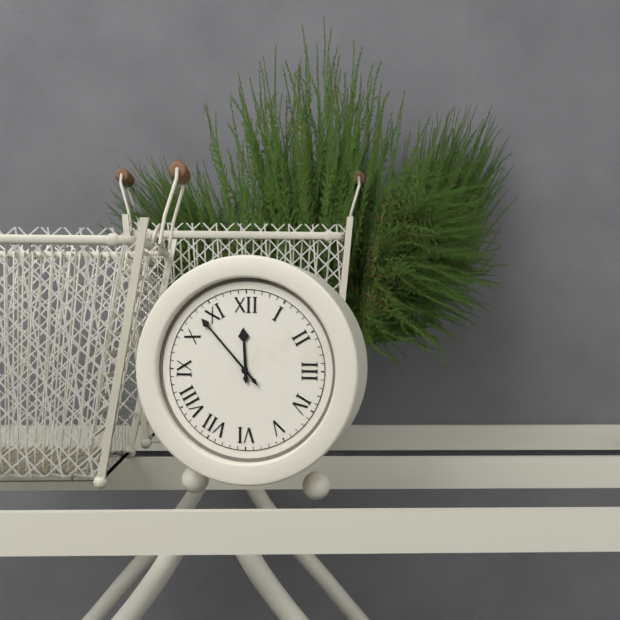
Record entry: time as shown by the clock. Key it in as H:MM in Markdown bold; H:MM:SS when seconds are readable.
**11:53**
